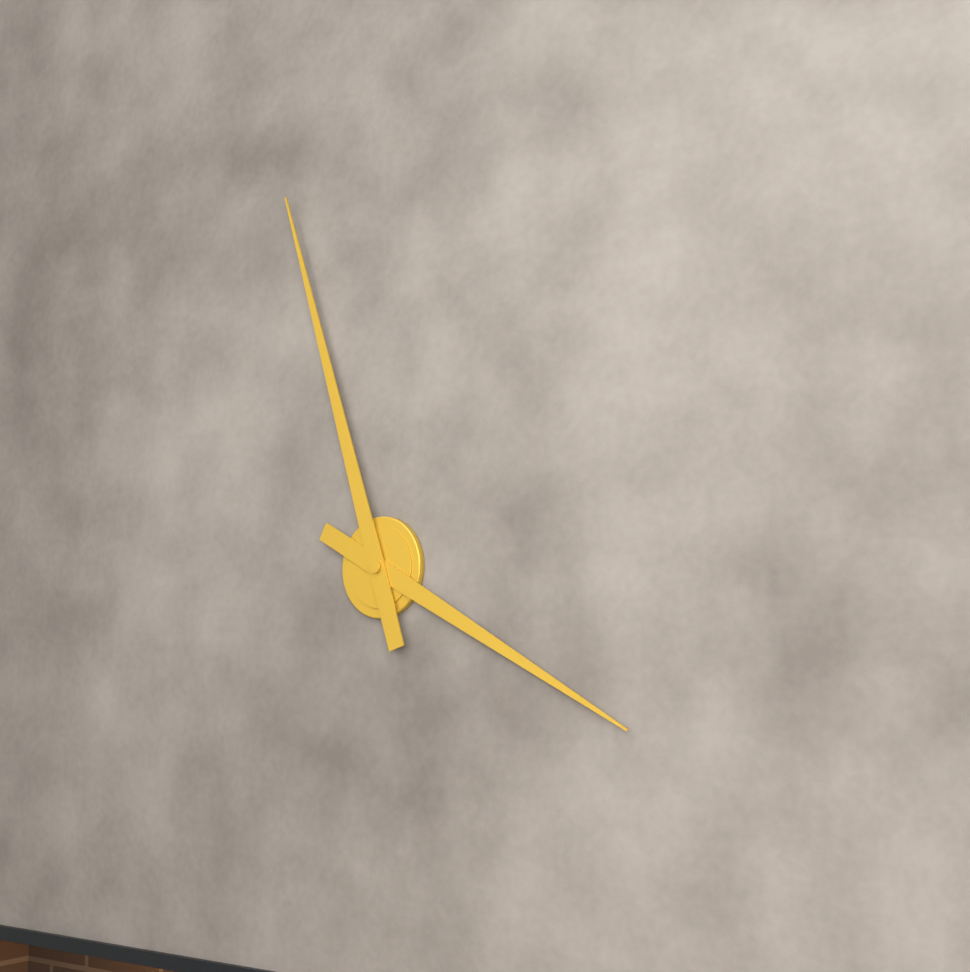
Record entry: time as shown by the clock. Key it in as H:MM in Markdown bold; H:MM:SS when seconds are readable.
**3:57**
